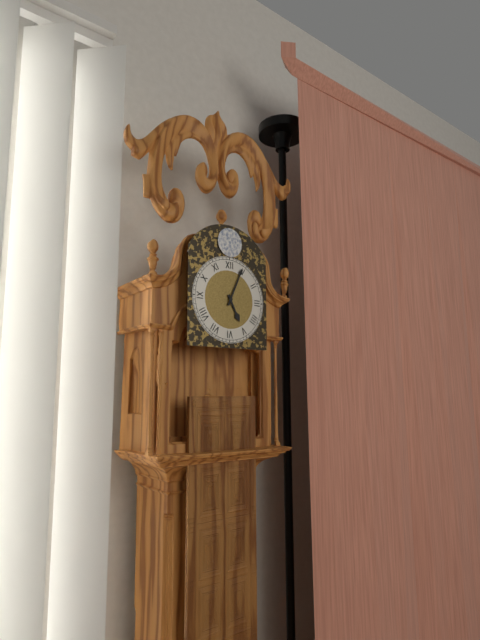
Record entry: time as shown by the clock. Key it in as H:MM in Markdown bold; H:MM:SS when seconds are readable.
**5:04**
